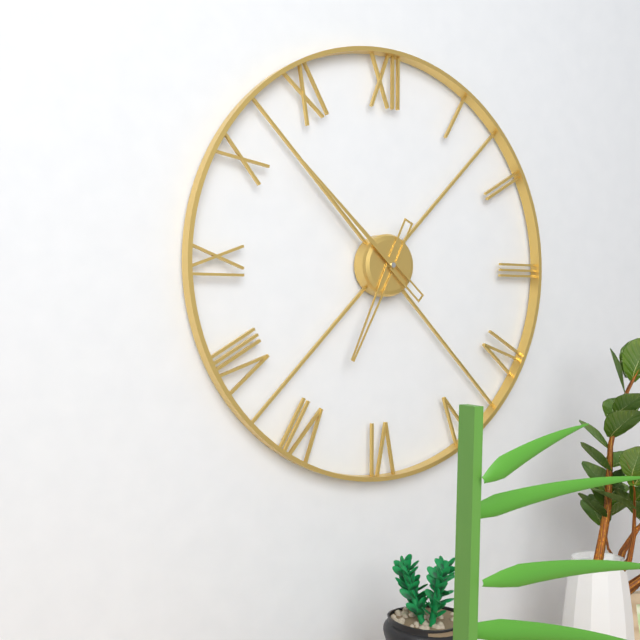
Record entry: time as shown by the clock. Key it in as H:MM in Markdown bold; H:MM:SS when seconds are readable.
**6:52**
